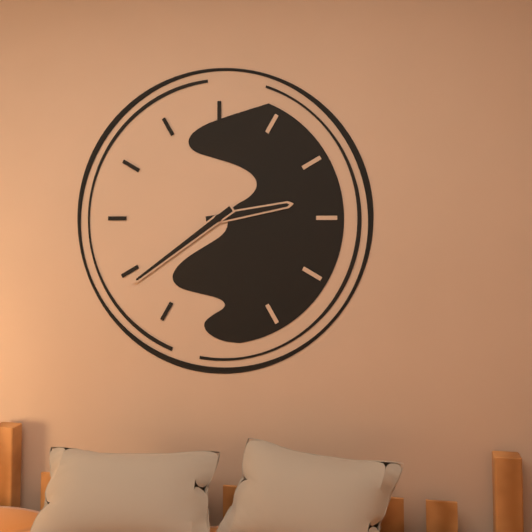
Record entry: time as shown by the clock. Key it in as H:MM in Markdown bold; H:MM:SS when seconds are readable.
**2:39**
